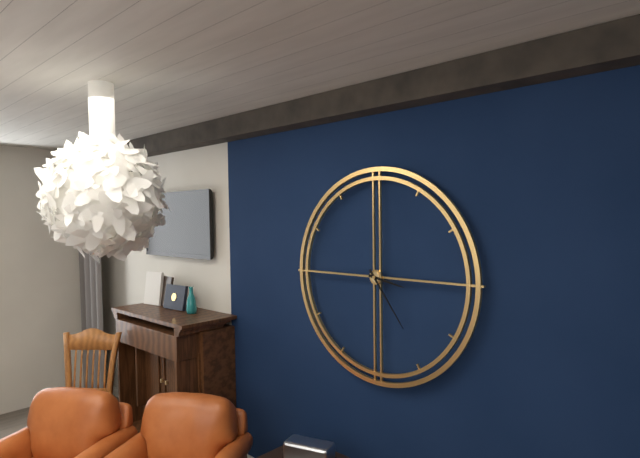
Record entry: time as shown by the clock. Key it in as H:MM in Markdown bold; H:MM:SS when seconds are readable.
**3:24**
